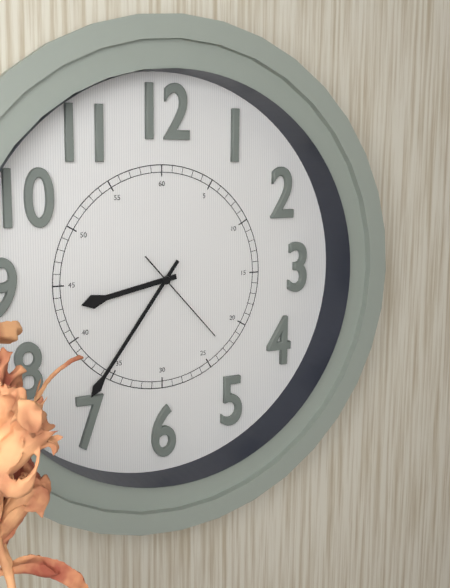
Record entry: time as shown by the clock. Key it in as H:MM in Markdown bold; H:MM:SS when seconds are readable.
**8:36:23**
